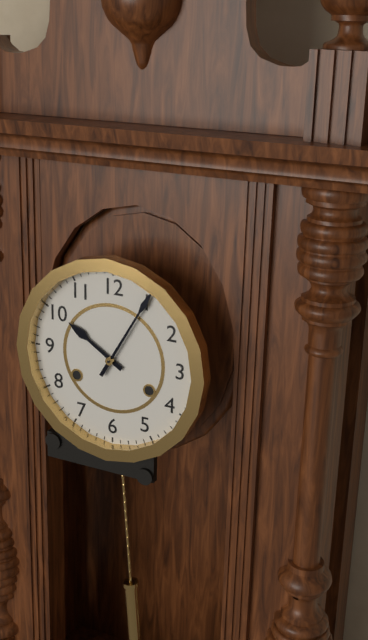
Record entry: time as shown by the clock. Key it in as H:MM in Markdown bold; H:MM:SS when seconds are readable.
**10:05**
